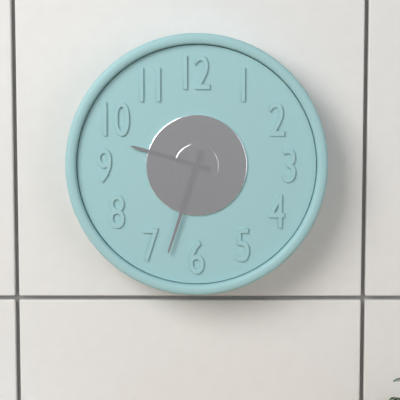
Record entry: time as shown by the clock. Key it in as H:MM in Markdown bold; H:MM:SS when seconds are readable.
**9:33**
